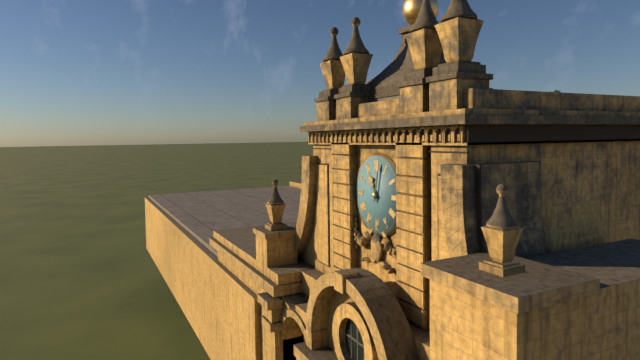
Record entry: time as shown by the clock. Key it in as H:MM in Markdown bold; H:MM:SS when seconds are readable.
**11:02**
